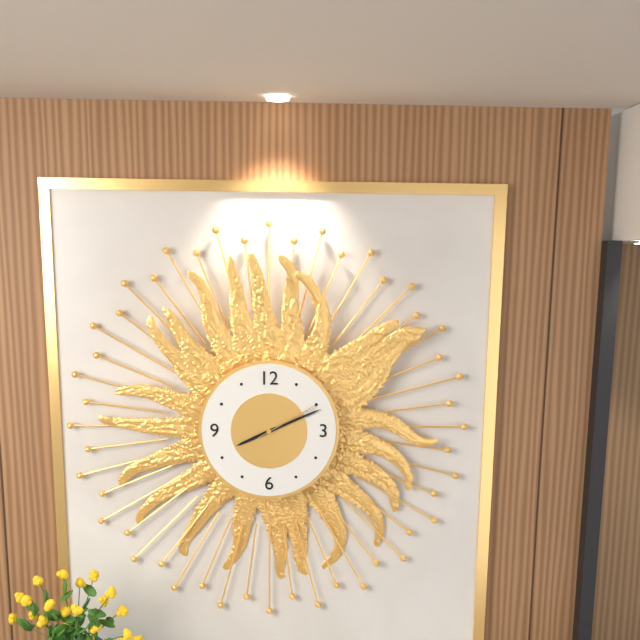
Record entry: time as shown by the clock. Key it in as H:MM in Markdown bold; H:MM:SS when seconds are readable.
**8:11:10**
